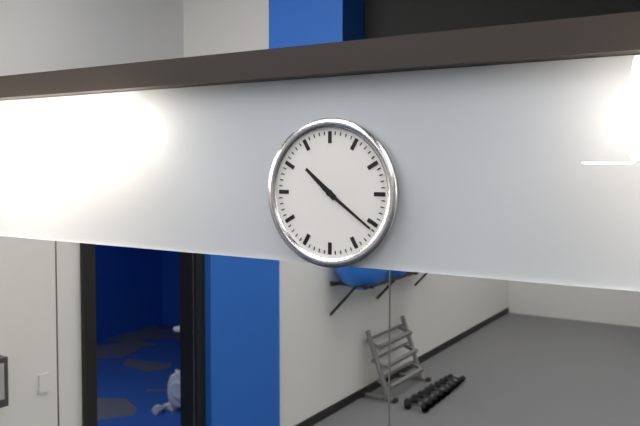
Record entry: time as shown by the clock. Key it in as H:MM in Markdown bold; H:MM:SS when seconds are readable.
**10:21**
